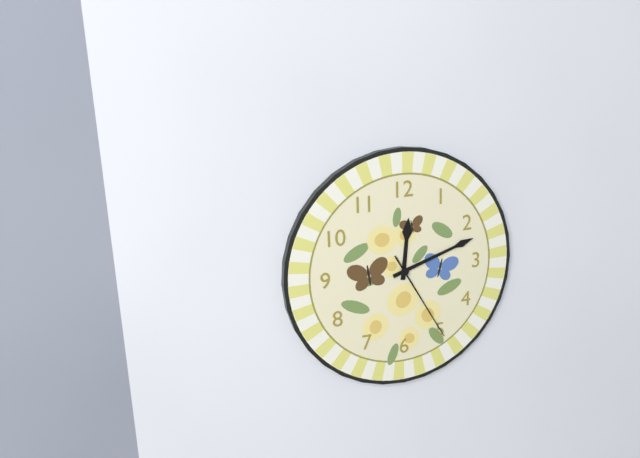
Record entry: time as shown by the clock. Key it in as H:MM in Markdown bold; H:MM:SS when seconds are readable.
**12:12:25**
